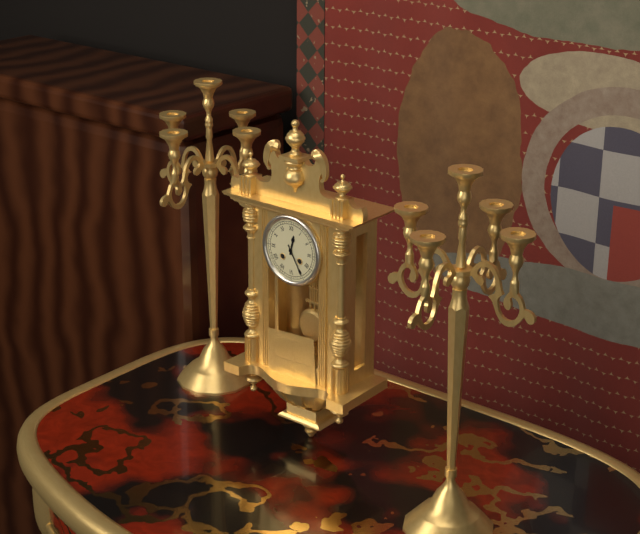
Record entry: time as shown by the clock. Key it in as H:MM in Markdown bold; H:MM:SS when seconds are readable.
**12:25**
